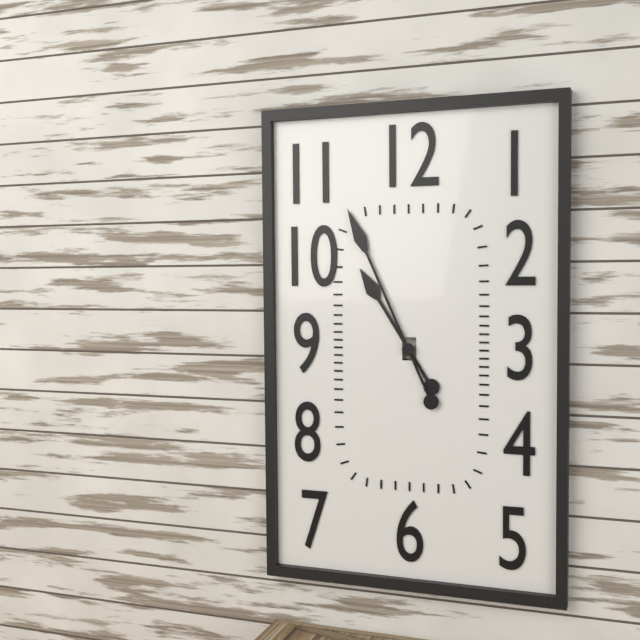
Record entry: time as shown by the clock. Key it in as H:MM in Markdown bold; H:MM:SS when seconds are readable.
**10:56**
